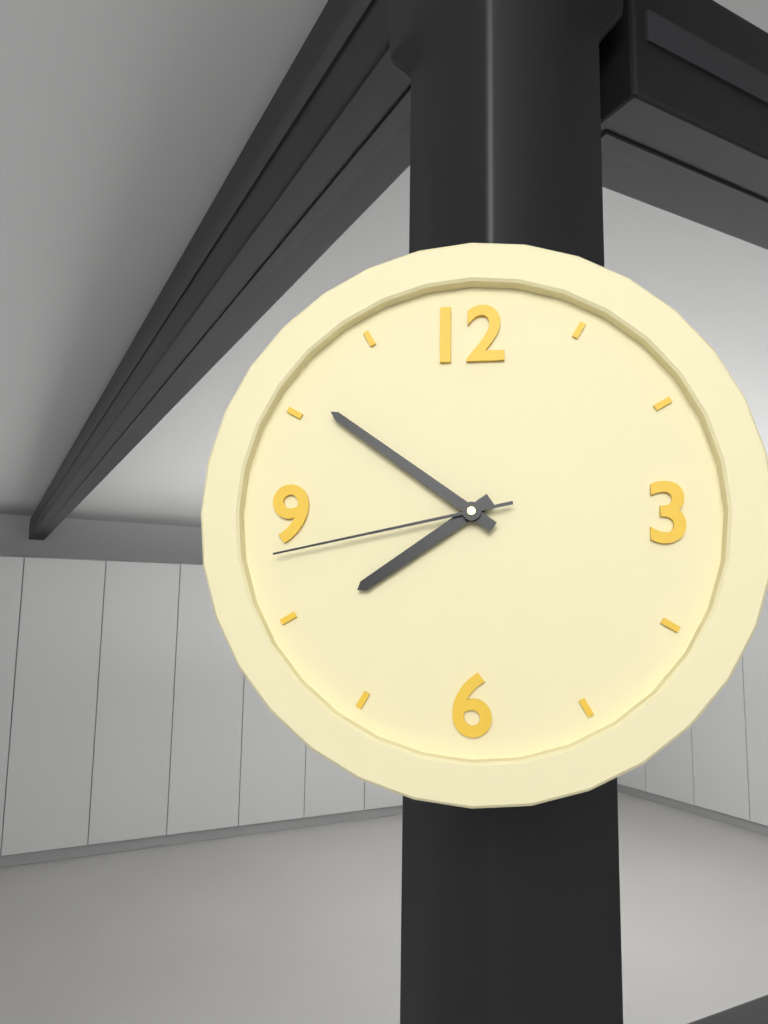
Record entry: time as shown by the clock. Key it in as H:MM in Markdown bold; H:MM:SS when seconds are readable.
**7:51:43**
